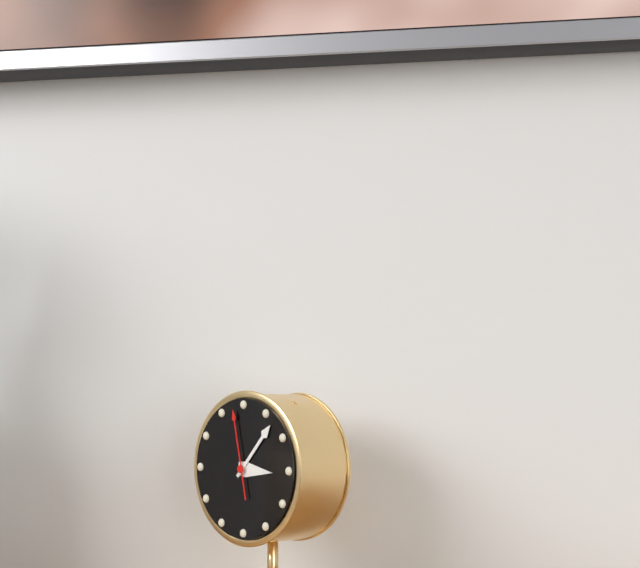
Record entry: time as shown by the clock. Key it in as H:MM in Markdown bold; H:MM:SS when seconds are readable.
**3:07:58**
